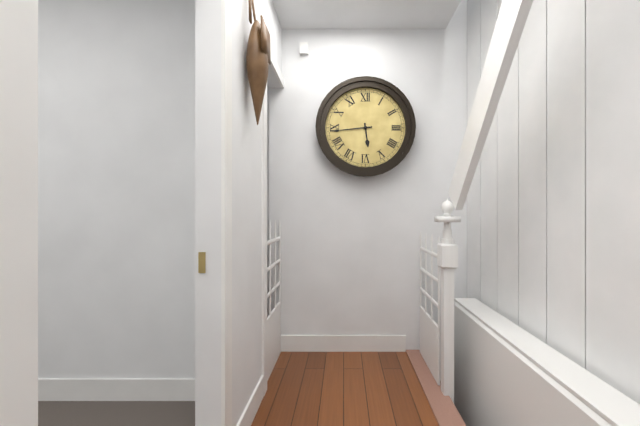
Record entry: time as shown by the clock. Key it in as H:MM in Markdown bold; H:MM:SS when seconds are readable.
**5:44**
